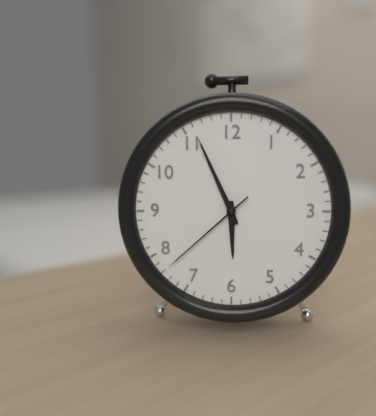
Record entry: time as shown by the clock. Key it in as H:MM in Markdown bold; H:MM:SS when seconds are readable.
**5:56:38**
